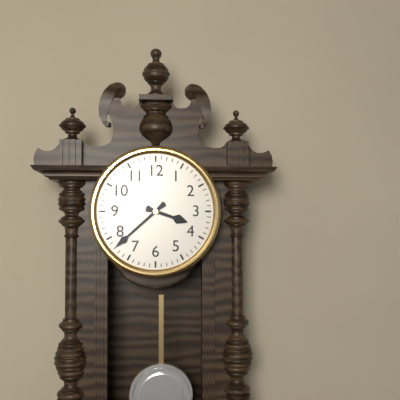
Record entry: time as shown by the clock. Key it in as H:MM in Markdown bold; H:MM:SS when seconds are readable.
**3:38**
